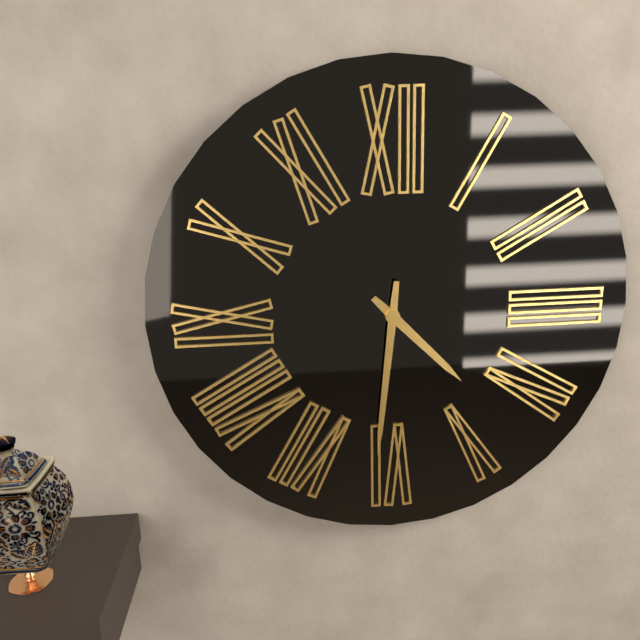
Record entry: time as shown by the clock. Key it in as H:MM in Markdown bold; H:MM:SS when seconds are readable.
**4:31**
